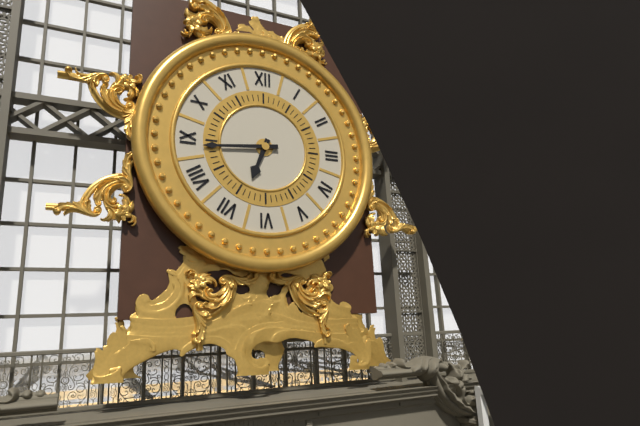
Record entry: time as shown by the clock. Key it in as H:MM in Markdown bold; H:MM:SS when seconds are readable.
**6:44**
